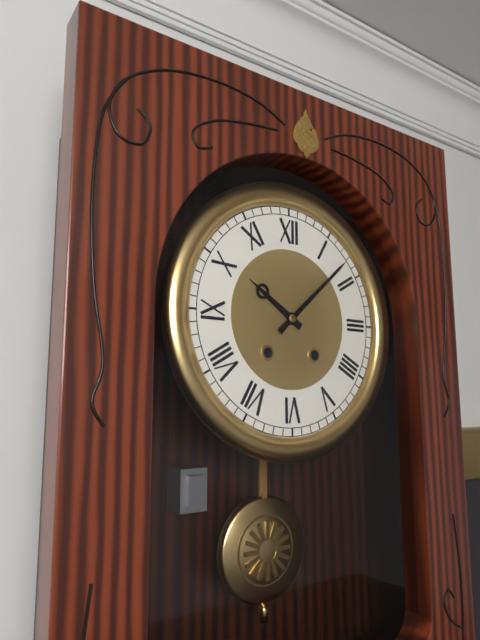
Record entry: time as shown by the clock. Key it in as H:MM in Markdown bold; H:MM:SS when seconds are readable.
**10:08**
